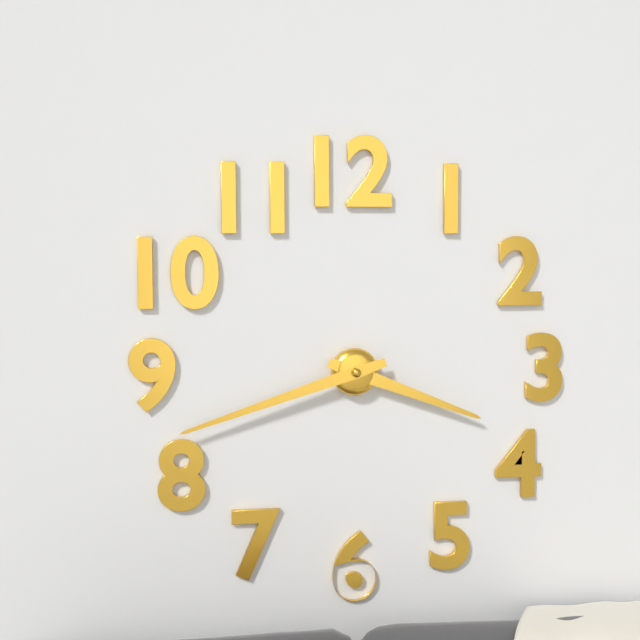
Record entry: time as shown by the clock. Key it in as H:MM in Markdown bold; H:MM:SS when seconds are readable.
**3:42**
